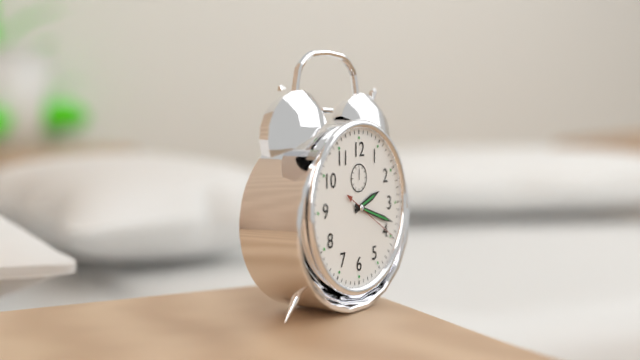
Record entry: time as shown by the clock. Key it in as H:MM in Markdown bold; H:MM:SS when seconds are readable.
**2:18:20**
